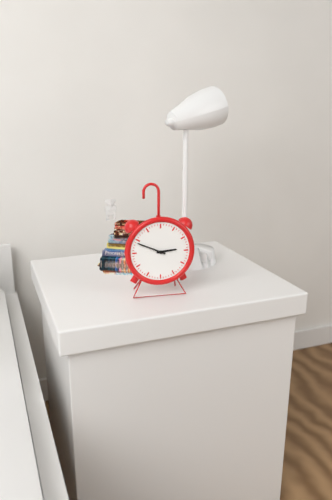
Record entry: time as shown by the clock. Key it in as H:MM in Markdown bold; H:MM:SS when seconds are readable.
**2:49**
